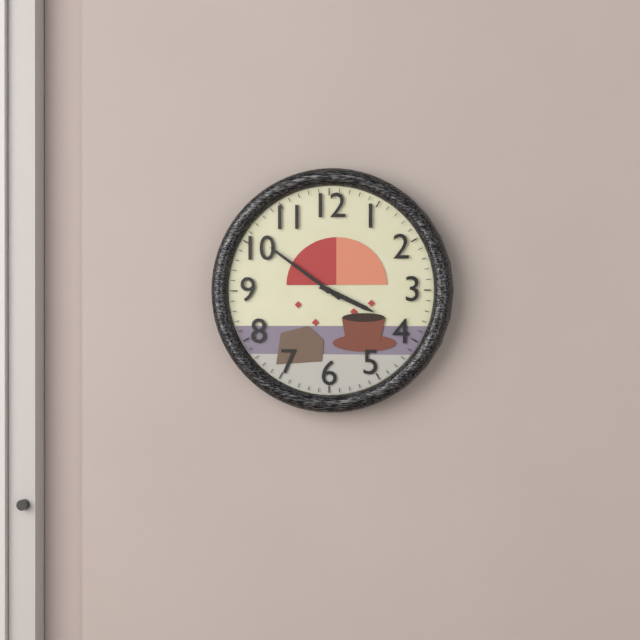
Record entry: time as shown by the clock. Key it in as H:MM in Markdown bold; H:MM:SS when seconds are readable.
**3:51**
